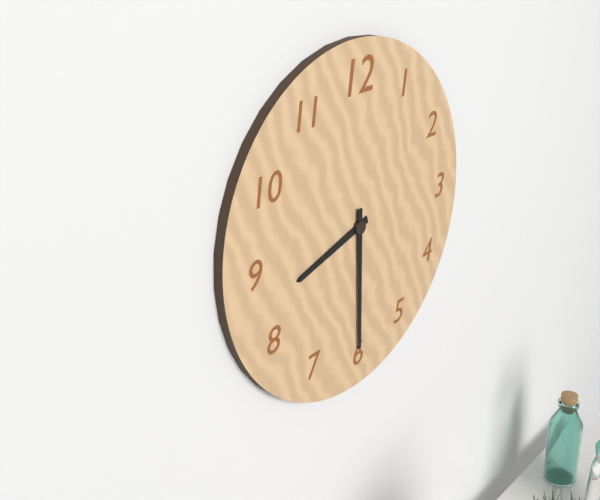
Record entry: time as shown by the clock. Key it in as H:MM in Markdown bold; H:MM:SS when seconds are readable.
**8:30**
